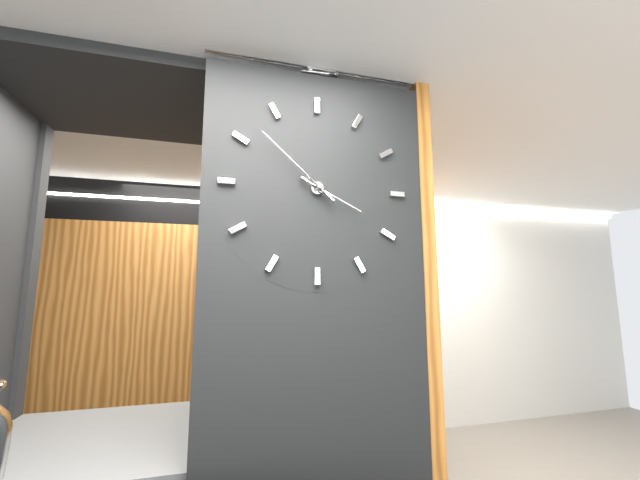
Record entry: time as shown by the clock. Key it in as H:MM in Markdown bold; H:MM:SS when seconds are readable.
**3:52**
